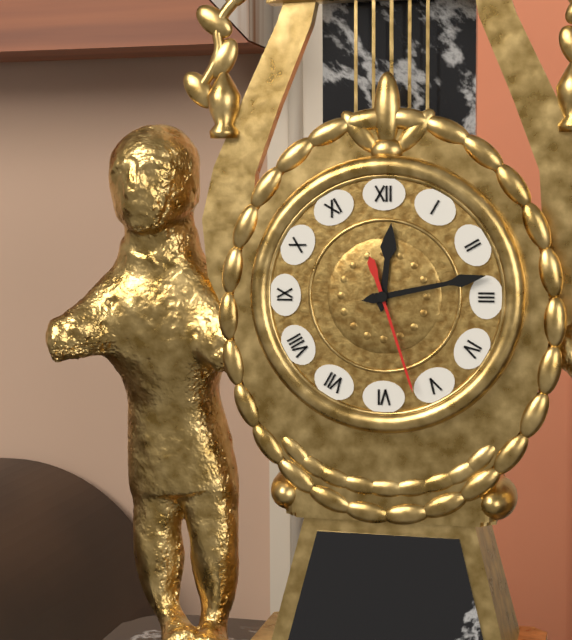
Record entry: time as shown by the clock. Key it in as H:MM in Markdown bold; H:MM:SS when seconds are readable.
**12:13:27**
